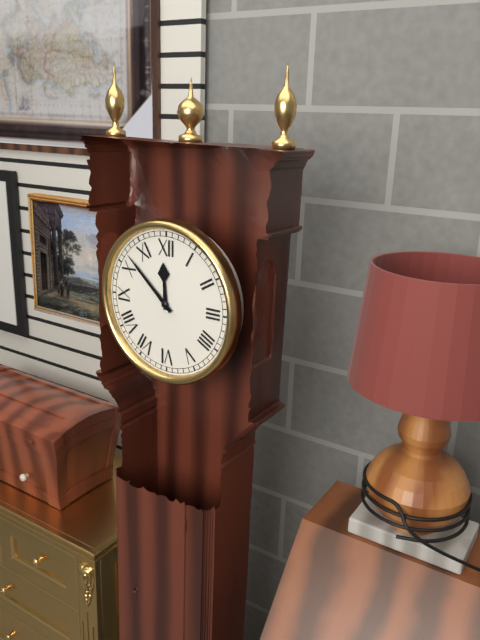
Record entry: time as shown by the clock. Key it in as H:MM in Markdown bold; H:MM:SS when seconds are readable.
**11:52**
